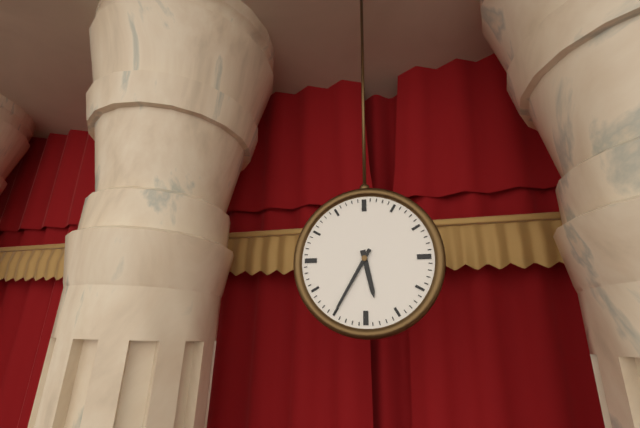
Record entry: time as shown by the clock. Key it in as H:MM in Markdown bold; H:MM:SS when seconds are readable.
**5:35**
